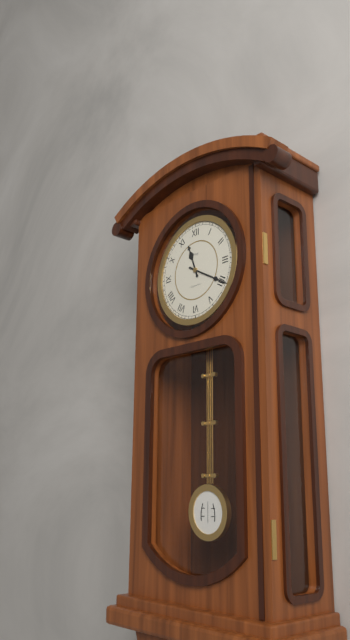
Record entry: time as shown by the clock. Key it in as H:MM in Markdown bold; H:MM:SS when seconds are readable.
**11:20**
